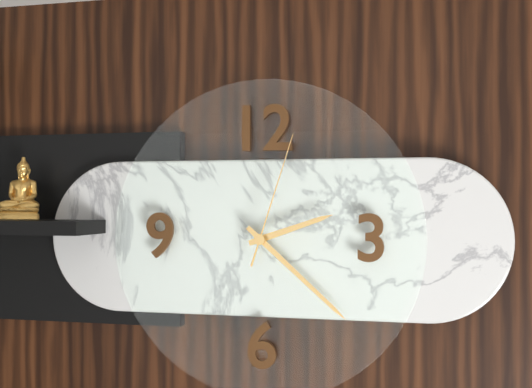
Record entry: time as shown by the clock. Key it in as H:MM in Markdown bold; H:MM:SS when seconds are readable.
**2:22:03**
